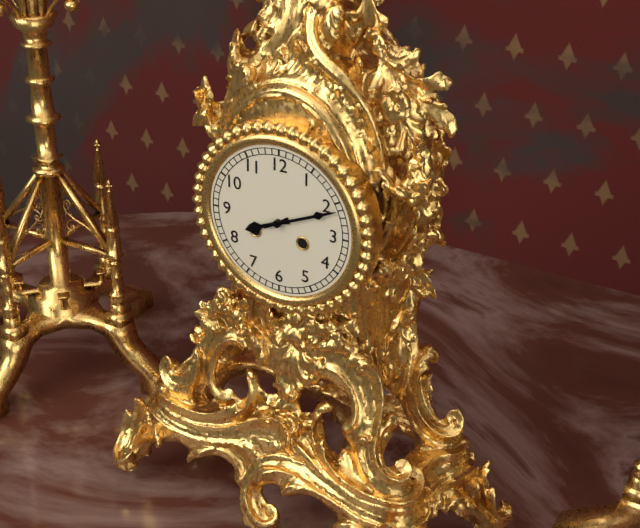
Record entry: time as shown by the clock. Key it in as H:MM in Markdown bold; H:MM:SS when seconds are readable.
**8:11**
